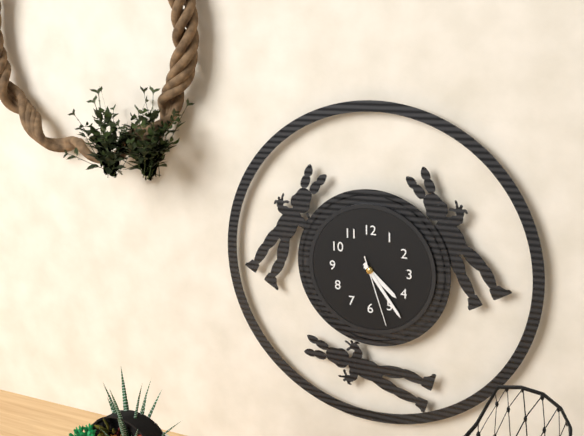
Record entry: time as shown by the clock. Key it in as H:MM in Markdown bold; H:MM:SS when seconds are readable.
**4:24:27**
